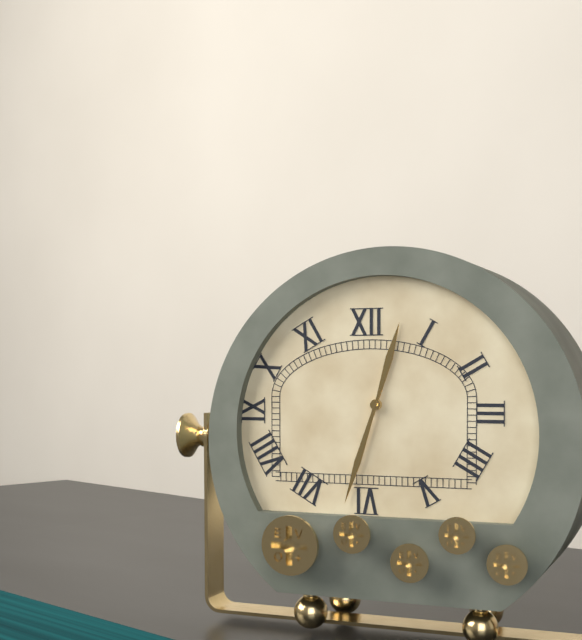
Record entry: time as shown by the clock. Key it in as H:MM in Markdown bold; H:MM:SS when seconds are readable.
**12:33**
